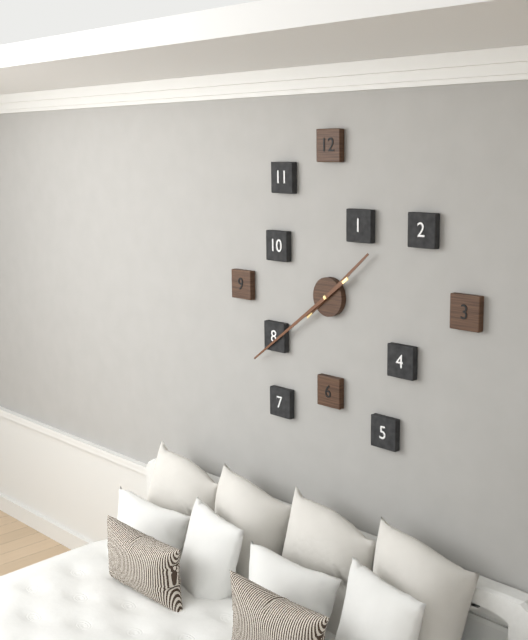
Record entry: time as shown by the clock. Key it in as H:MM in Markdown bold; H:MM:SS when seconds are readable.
**1:39**
